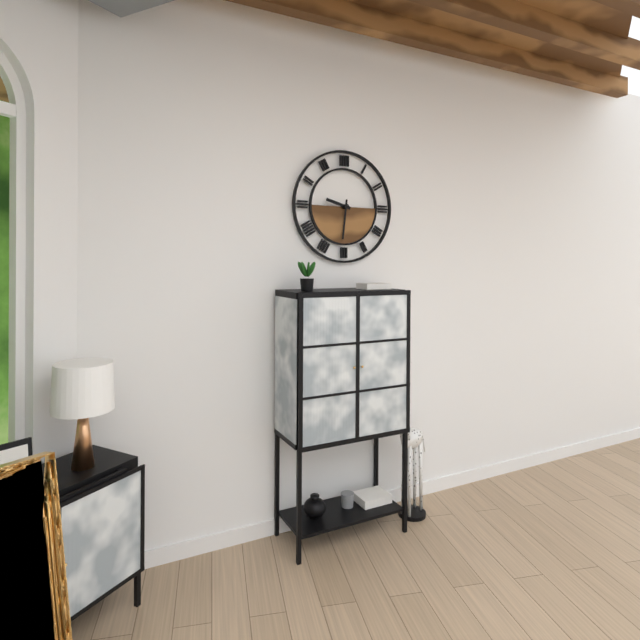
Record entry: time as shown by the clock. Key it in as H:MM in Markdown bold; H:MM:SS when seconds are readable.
**9:31**
